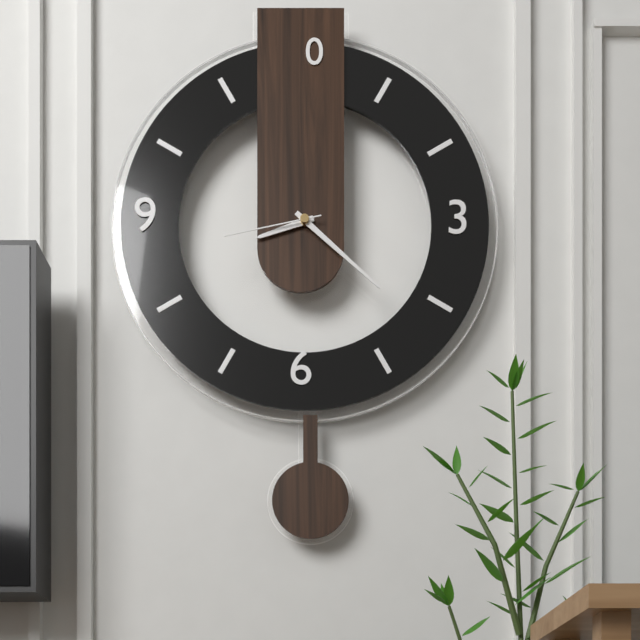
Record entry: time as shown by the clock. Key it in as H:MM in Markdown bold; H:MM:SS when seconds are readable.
**8:22:43**
